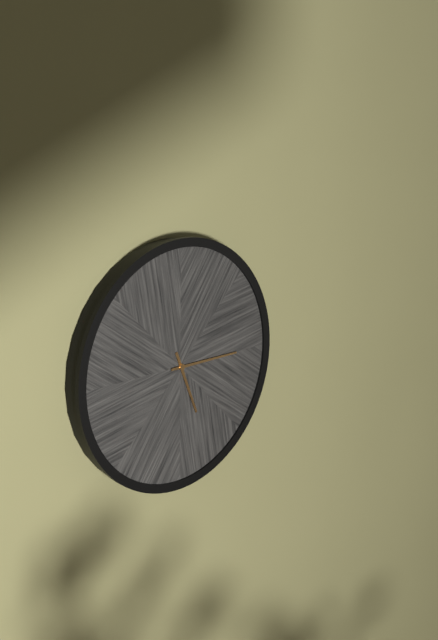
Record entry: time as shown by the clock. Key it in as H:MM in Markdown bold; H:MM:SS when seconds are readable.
**5:15**
